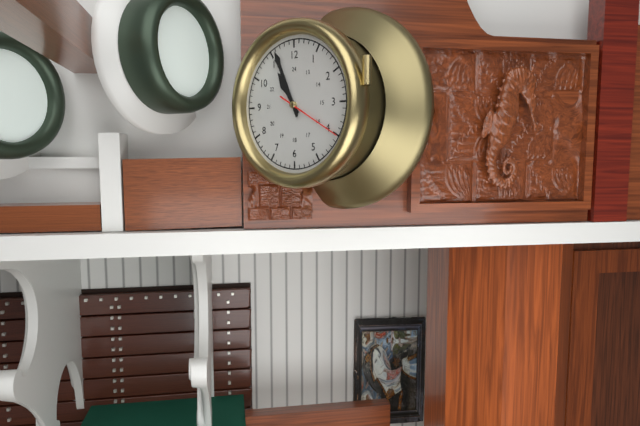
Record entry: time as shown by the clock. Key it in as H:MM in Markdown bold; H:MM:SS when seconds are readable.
**10:56:20**
